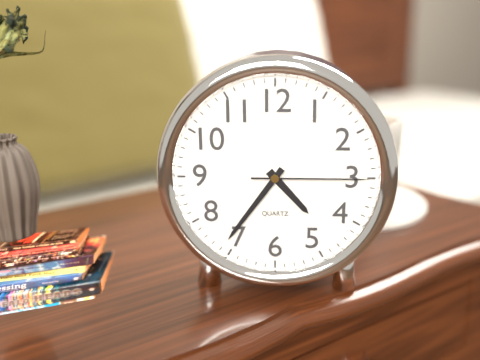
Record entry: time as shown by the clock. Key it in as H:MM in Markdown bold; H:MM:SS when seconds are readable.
**4:36:15**
